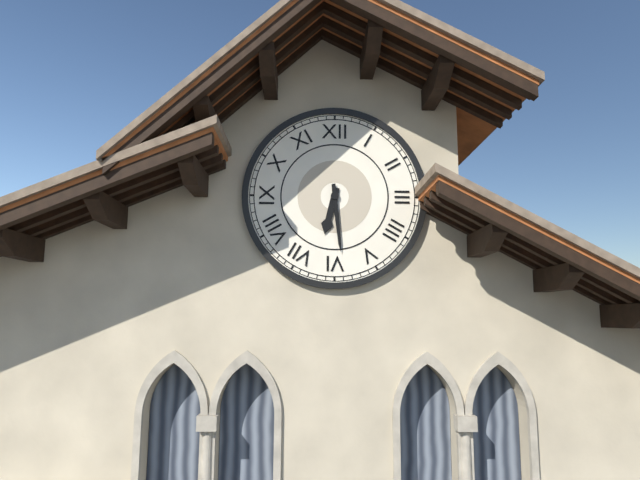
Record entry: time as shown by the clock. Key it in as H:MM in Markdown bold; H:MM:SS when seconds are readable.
**6:29**
